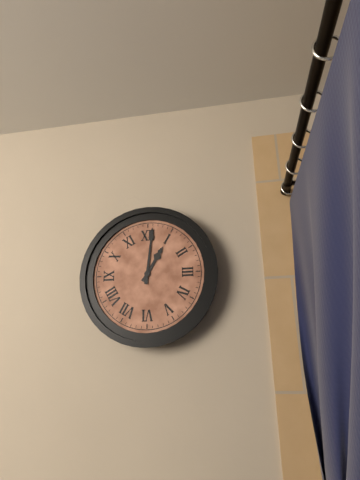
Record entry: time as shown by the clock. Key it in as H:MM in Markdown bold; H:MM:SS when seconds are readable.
**1:01**
